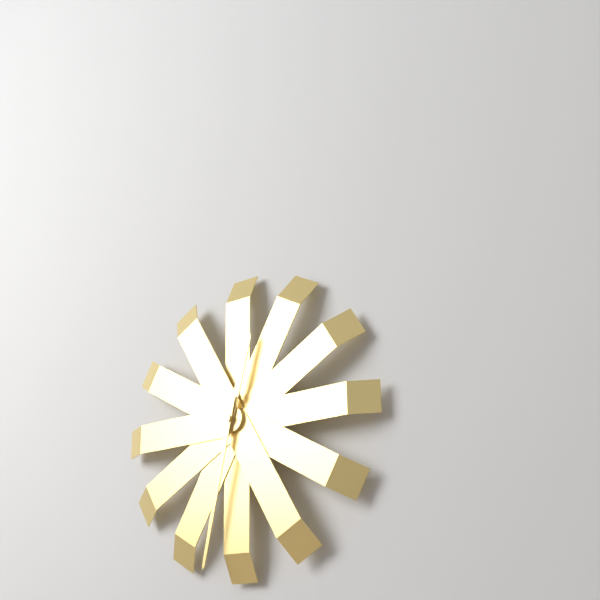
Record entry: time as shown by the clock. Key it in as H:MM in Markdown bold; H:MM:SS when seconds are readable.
**12:32**
